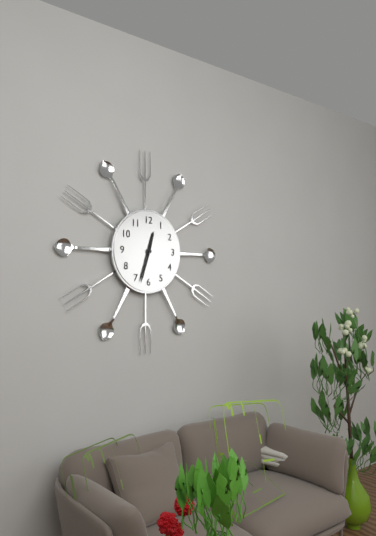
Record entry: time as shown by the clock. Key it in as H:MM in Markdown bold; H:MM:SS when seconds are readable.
**12:33**
